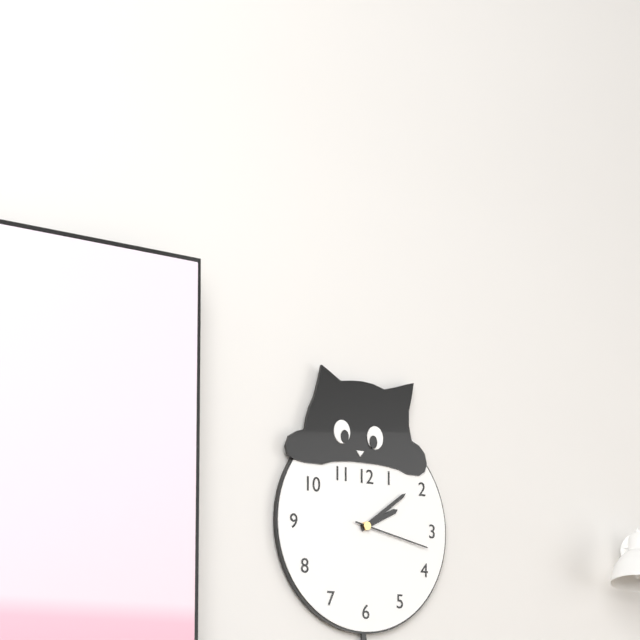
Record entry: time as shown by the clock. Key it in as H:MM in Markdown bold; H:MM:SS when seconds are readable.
**2:09:17**
